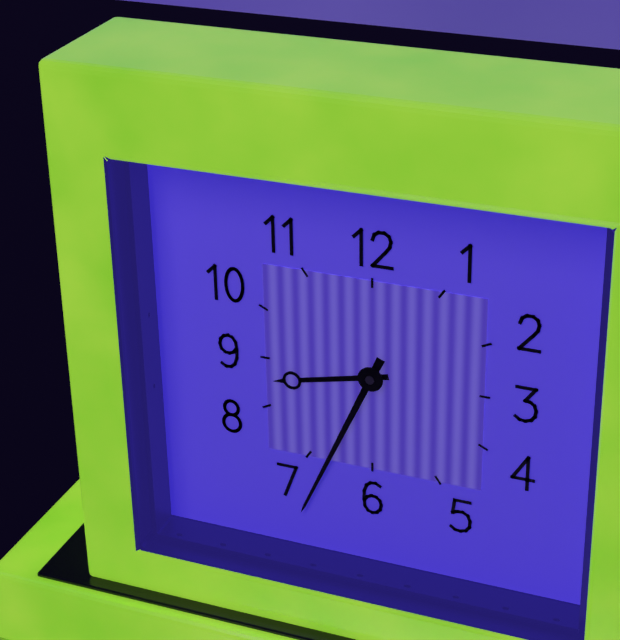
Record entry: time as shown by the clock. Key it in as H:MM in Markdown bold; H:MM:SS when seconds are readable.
**8:34**
